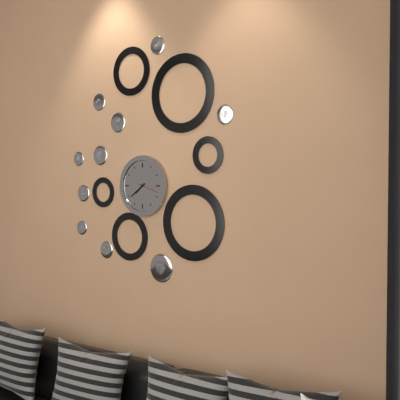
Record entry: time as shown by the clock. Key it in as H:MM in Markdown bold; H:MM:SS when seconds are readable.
**7:39**
